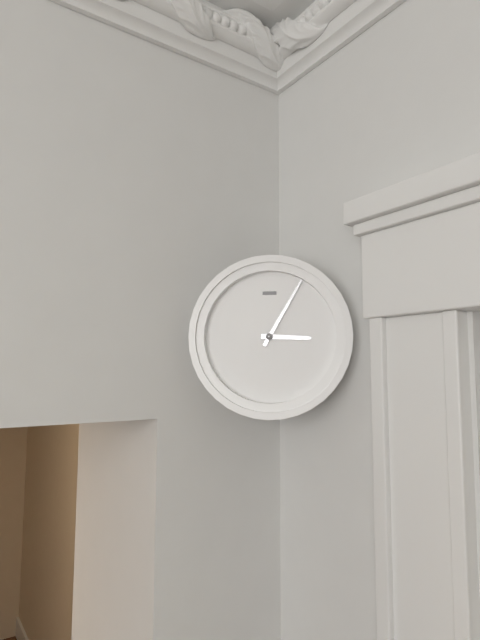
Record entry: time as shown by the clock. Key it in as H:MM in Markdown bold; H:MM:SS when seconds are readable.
**3:05**
